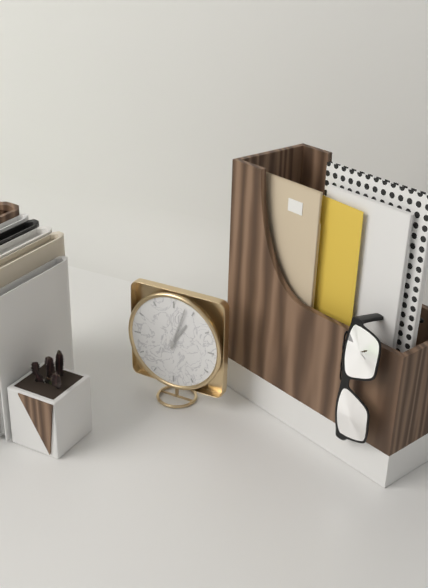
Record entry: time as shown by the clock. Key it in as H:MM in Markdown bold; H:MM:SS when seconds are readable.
**1:03**
